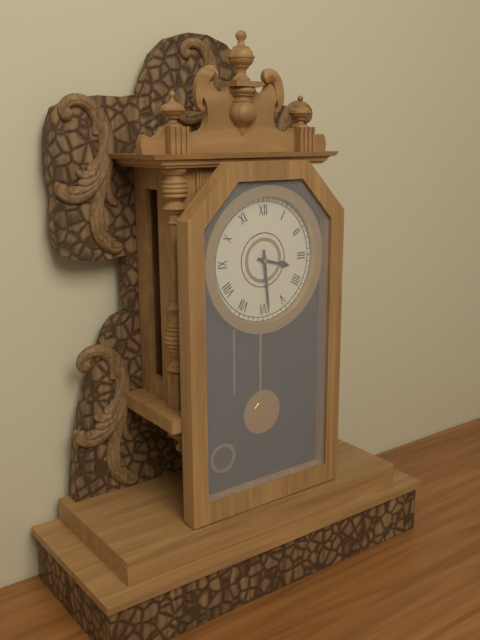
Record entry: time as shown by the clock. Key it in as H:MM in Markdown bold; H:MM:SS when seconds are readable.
**3:29**
